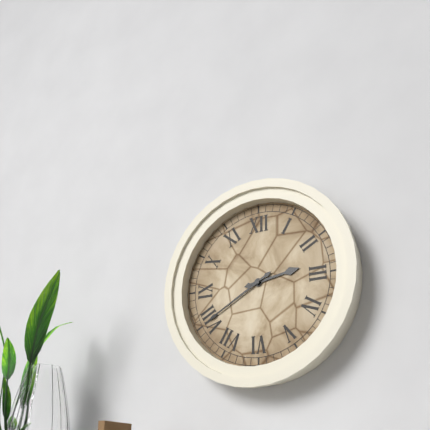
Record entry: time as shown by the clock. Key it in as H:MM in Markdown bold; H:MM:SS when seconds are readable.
**2:40**
